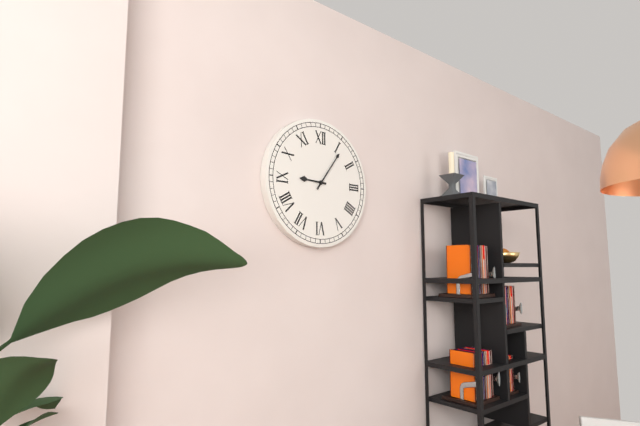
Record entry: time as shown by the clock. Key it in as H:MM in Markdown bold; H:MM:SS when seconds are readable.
**9:06**
